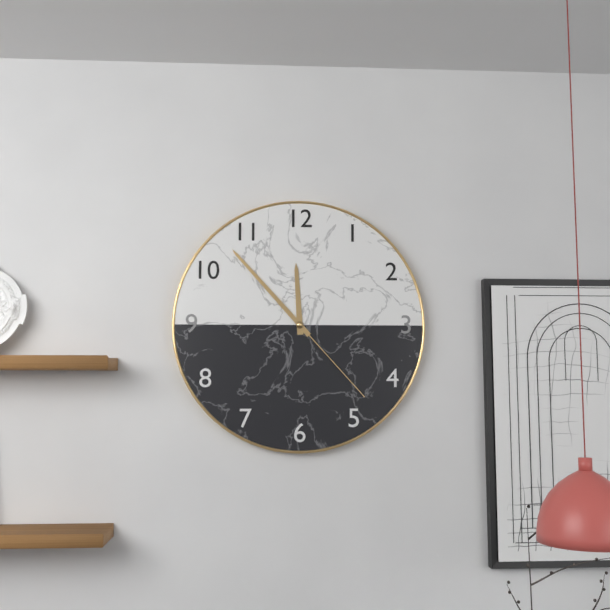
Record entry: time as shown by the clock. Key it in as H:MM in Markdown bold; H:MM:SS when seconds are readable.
**11:53:23**
